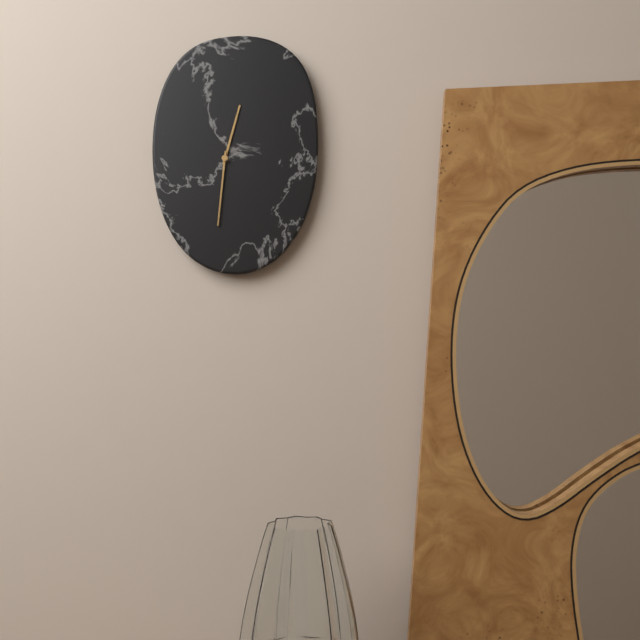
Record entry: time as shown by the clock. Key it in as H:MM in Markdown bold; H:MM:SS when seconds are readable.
**12:31**
